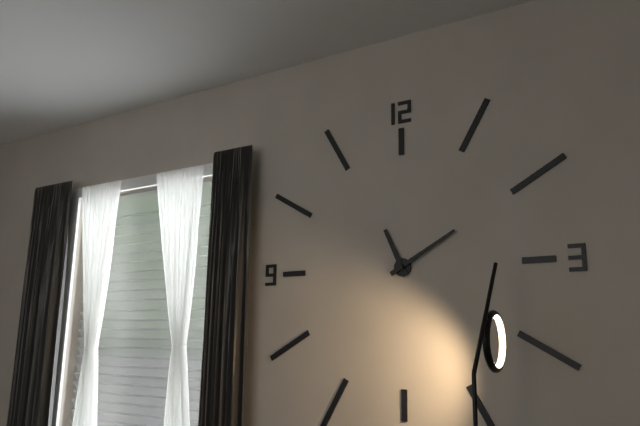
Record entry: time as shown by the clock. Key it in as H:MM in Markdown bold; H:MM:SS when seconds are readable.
**11:10**
